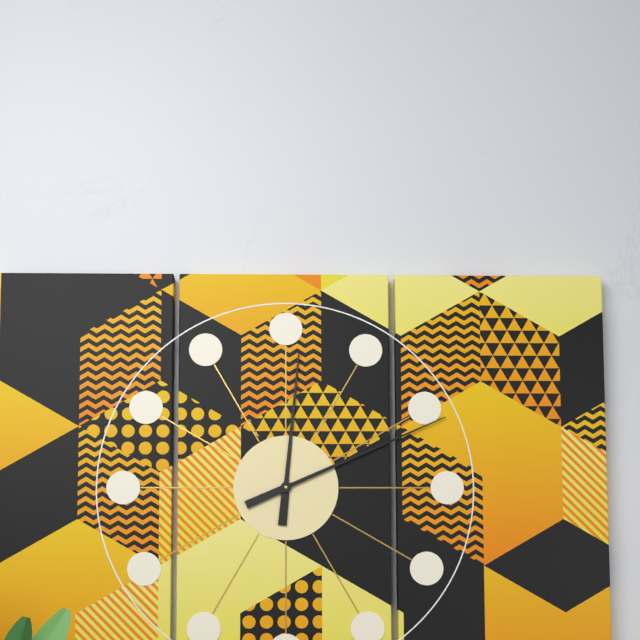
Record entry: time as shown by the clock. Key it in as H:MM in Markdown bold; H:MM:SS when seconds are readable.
**12:11**
